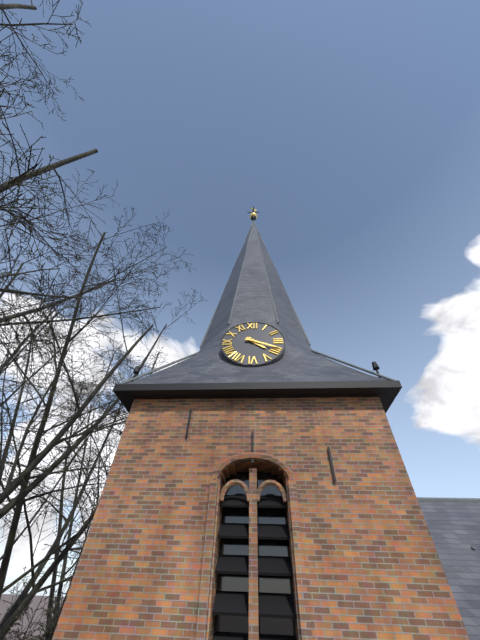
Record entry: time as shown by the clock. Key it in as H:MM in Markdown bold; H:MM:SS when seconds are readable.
**4:19**
